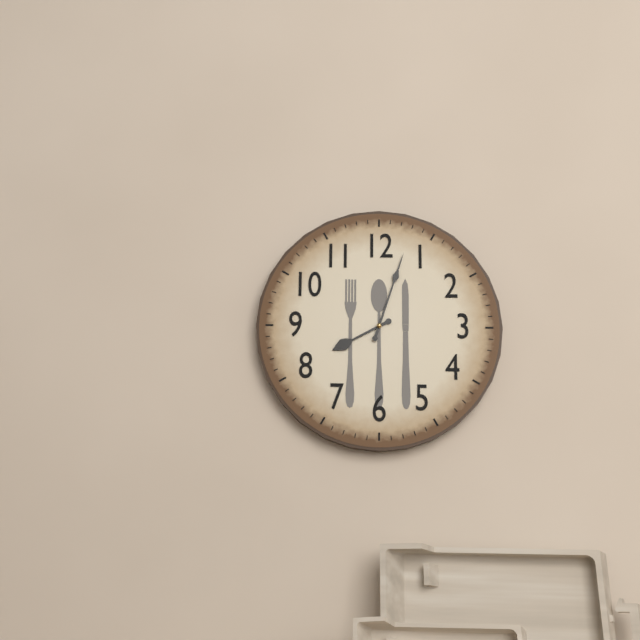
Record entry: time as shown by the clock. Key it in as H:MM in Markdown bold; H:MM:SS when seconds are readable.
**8:03**
